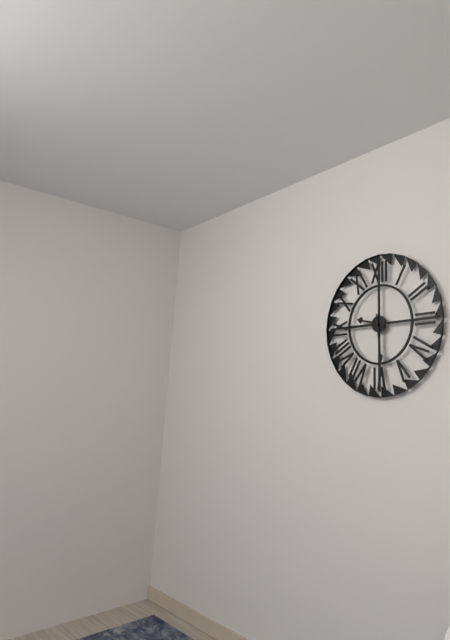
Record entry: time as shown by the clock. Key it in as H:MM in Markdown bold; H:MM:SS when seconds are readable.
**9:29**
